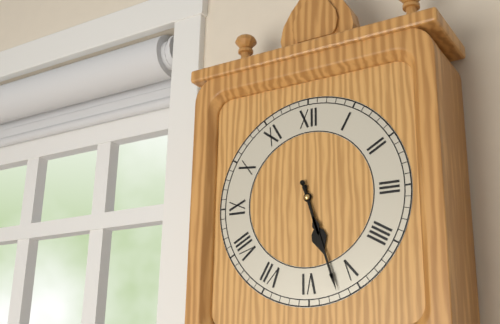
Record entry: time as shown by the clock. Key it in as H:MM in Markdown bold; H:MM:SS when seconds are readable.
**5:27**
